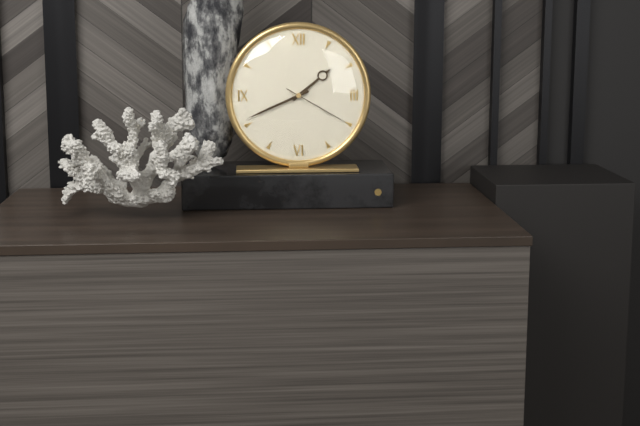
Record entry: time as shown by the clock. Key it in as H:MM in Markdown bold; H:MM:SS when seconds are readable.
**1:41:20**
